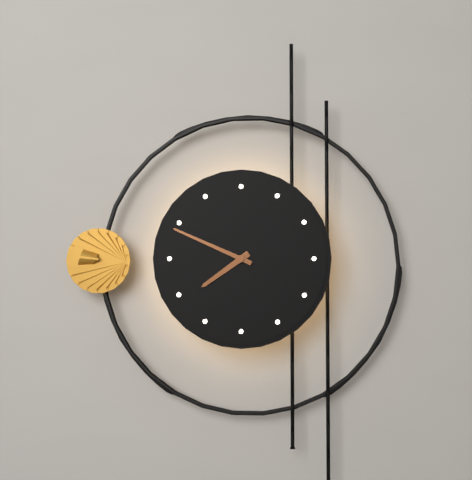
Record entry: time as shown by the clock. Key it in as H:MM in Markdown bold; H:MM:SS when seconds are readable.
**7:49**
